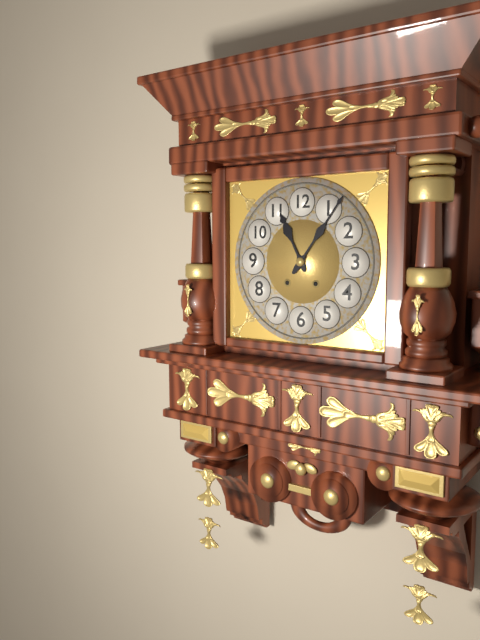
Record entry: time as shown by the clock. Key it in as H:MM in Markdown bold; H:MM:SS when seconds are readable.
**11:06**
